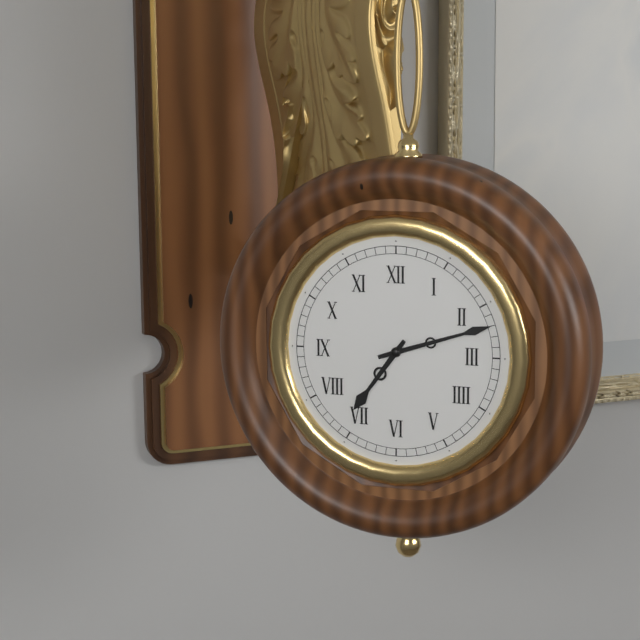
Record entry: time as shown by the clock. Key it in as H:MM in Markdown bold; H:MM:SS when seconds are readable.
**7:12**
